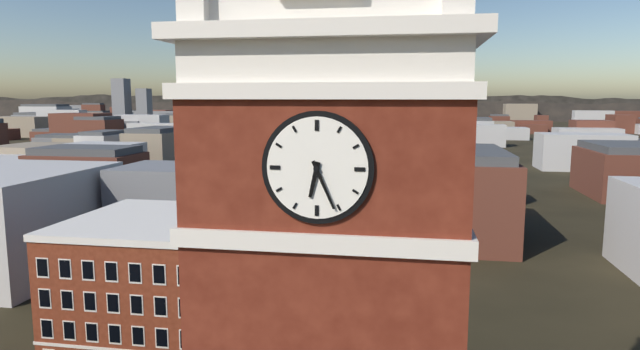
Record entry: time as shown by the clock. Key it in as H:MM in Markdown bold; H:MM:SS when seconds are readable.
**6:26**
